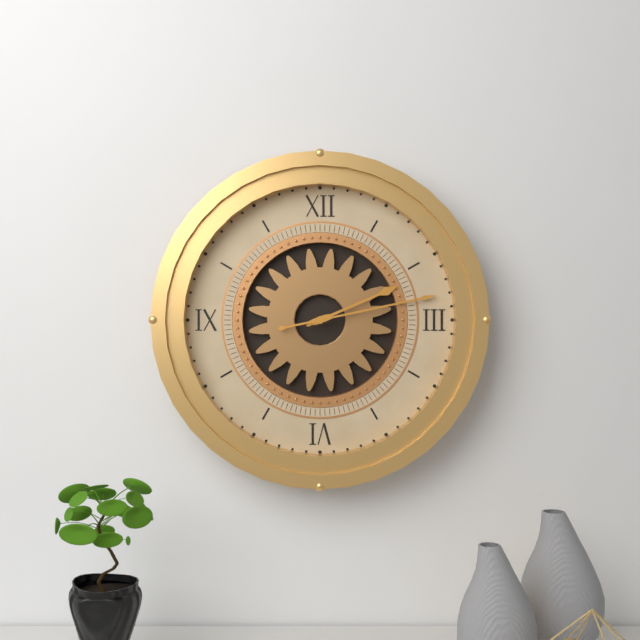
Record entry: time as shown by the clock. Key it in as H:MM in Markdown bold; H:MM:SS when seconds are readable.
**2:13**
